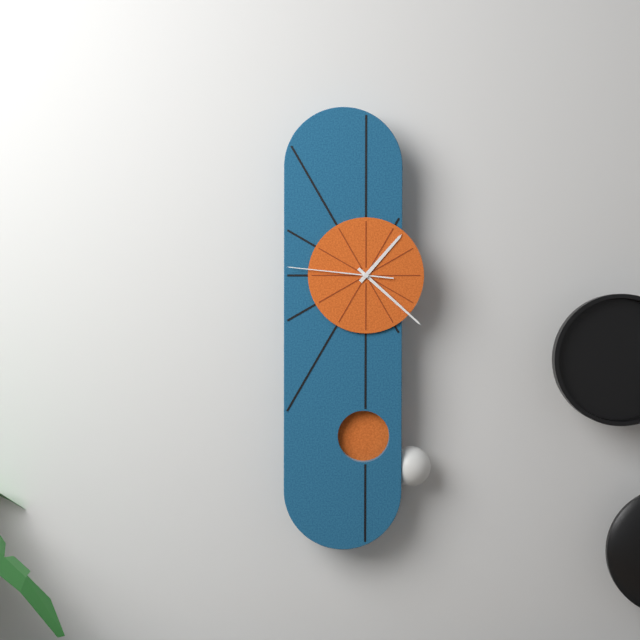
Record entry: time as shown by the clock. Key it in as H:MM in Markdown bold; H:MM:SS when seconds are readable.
**1:22:46**
